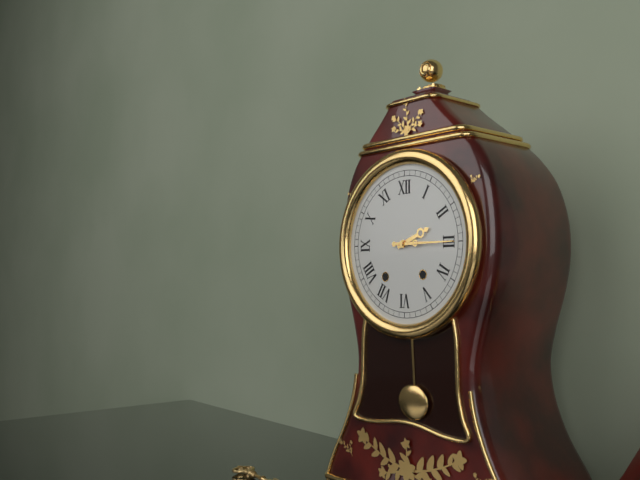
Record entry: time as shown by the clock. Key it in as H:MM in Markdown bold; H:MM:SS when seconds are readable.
**2:15**
